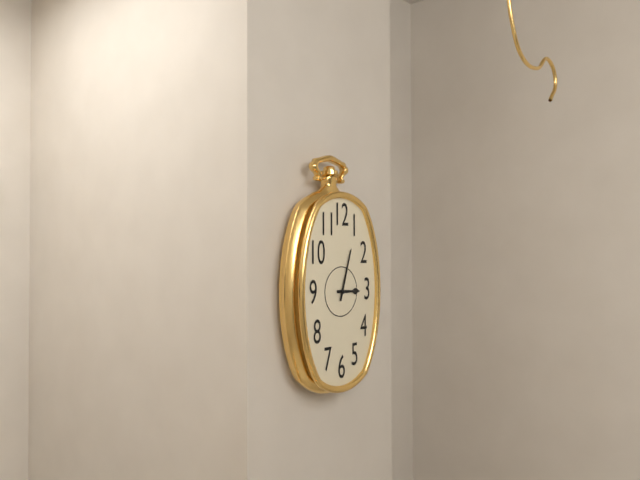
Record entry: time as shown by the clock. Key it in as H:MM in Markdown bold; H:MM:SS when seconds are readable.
**3:03**
